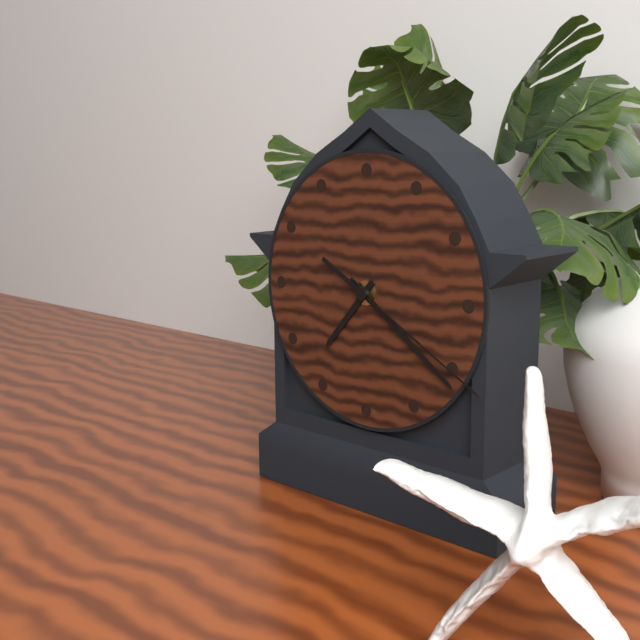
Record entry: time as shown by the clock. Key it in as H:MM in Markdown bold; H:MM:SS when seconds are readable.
**7:21:20**
